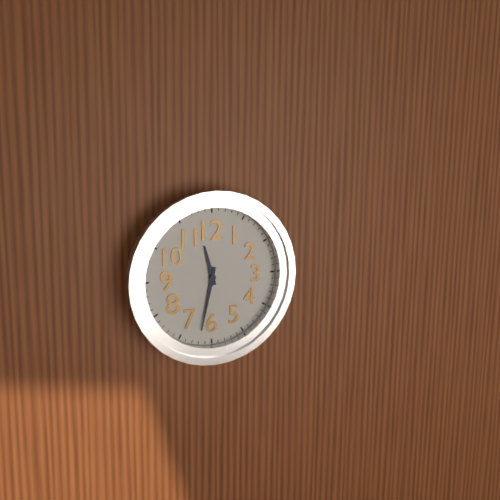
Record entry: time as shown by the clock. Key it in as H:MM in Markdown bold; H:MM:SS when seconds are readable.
**11:32**
